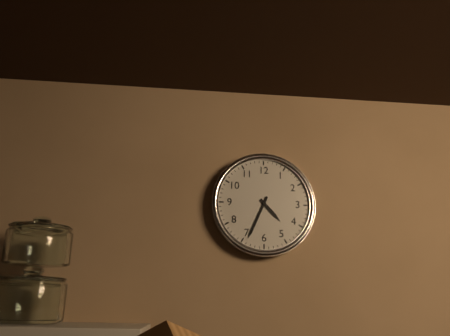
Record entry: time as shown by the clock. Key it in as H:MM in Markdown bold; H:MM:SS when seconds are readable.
**4:34**
